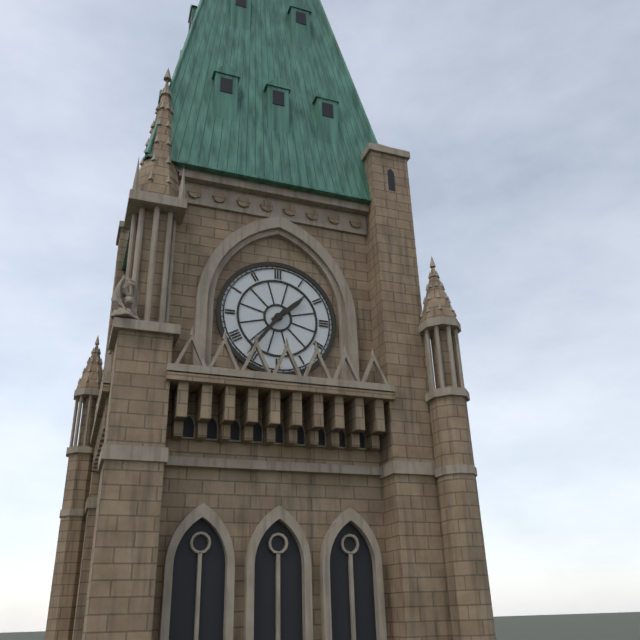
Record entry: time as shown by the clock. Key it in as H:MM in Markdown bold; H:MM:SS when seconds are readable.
**1:36**
